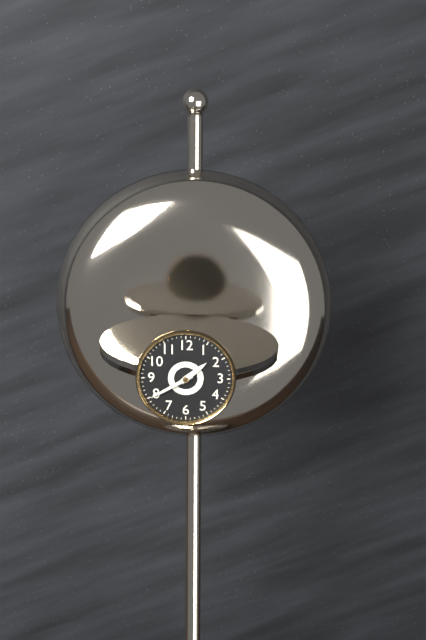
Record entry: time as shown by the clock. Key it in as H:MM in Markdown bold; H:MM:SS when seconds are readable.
**1:40**
